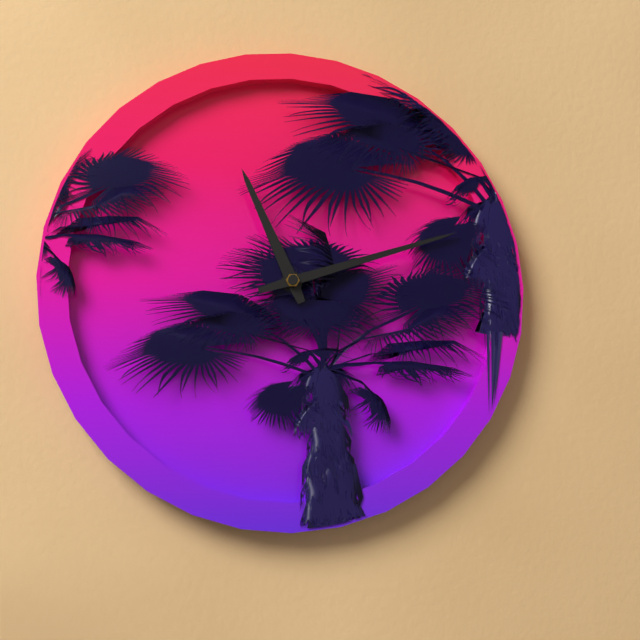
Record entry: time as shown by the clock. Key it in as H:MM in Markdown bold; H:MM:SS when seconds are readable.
**11:12**
